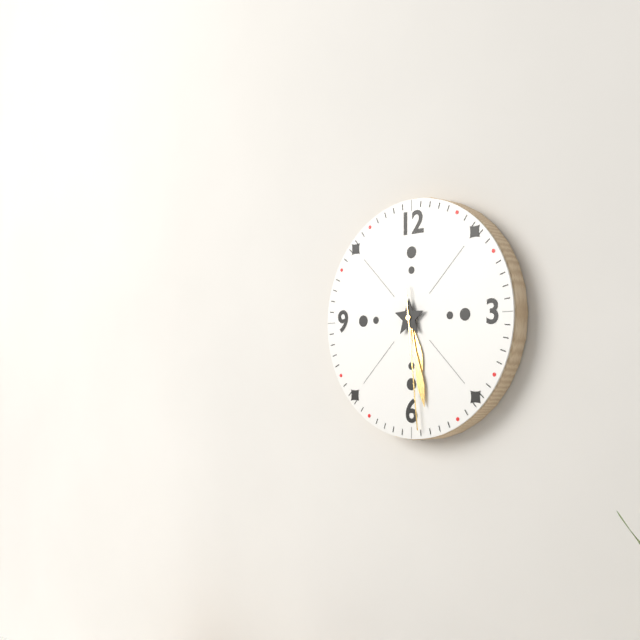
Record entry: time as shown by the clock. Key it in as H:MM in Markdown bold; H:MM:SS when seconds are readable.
**5:28:29**
